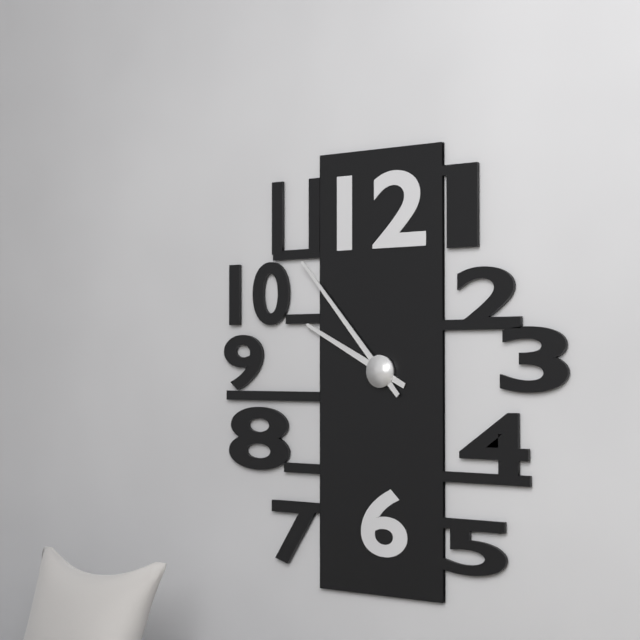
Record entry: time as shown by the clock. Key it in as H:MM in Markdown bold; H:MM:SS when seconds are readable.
**9:53**
